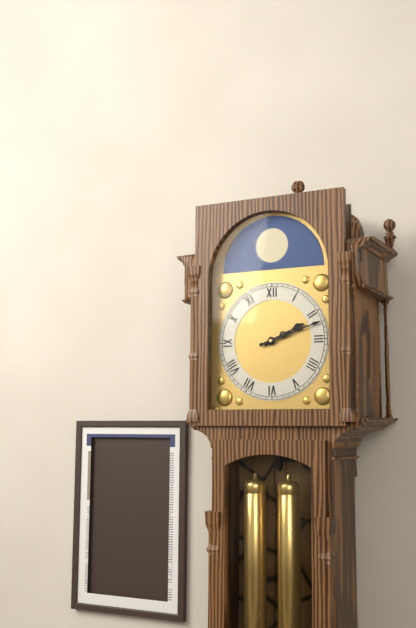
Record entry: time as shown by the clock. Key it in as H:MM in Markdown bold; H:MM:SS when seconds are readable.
**2:12**
